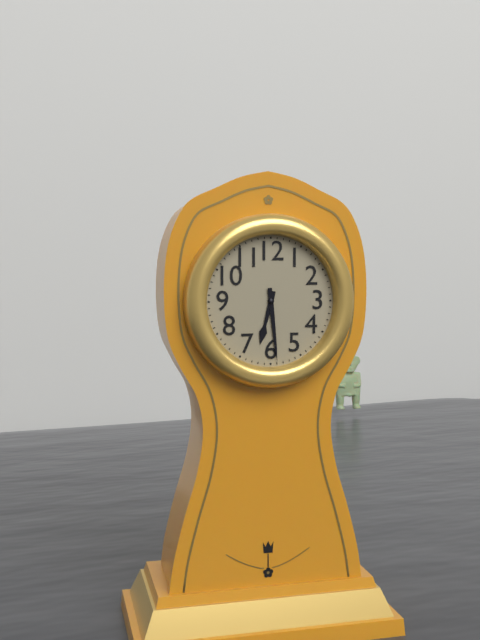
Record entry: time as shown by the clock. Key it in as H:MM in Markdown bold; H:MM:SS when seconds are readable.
**6:29**
